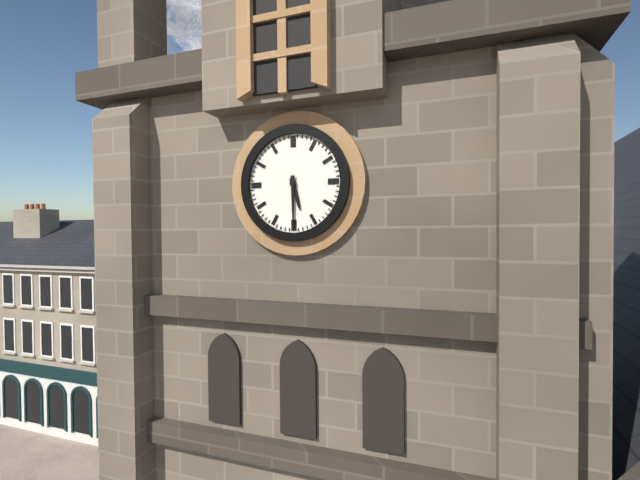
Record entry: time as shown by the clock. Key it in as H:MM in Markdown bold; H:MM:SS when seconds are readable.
**5:30**
